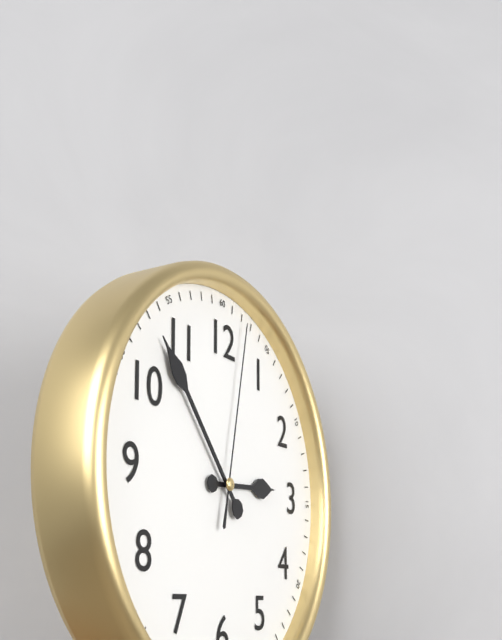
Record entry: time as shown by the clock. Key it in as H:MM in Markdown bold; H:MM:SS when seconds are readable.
**2:53:02**
